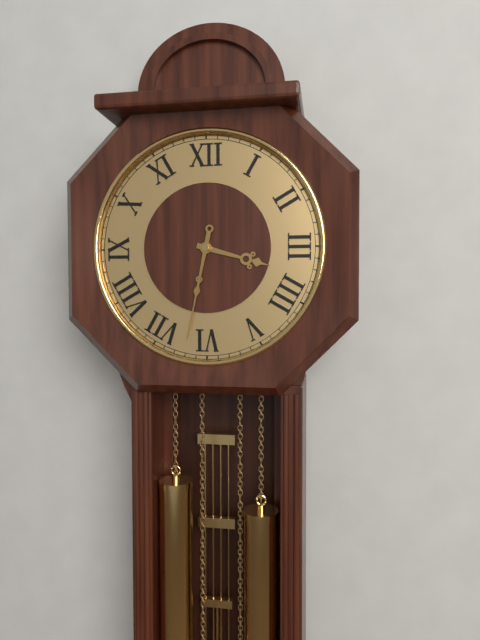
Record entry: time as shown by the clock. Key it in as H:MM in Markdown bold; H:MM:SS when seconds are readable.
**3:32**
